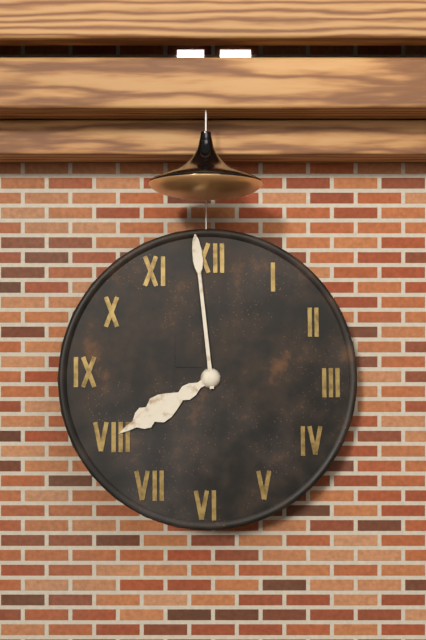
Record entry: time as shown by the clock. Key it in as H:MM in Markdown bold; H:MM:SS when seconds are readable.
**7:59**
